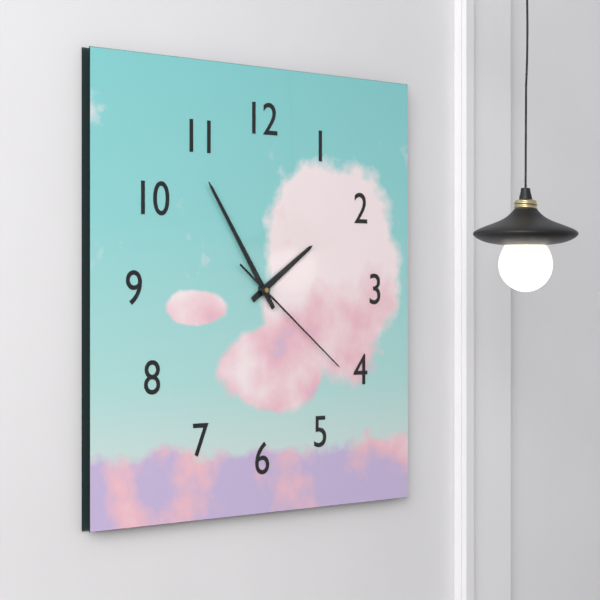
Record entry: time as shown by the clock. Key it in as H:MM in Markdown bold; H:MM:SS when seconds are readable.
**1:54:21**
